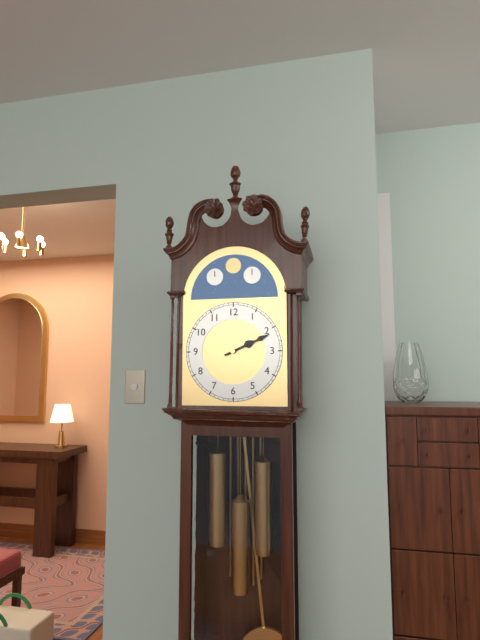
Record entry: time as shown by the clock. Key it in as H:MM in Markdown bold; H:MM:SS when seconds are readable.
**2:11**
